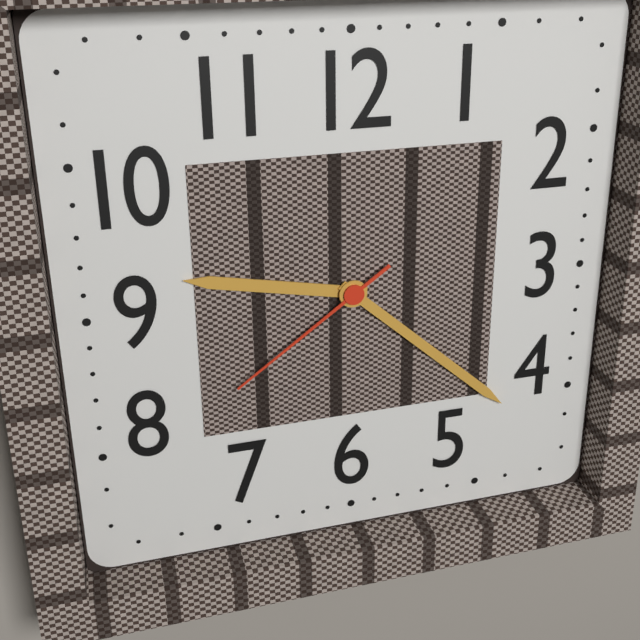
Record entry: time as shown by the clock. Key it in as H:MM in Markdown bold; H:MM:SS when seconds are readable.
**9:22:39**
